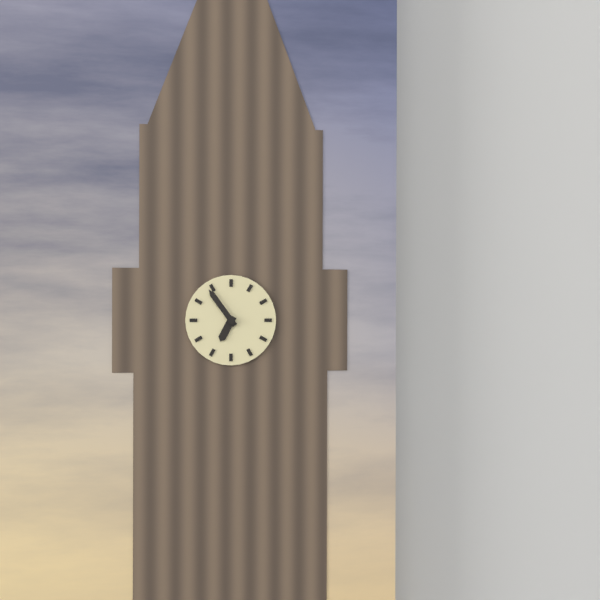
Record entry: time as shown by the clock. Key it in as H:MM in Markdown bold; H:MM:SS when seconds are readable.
**6:54**
